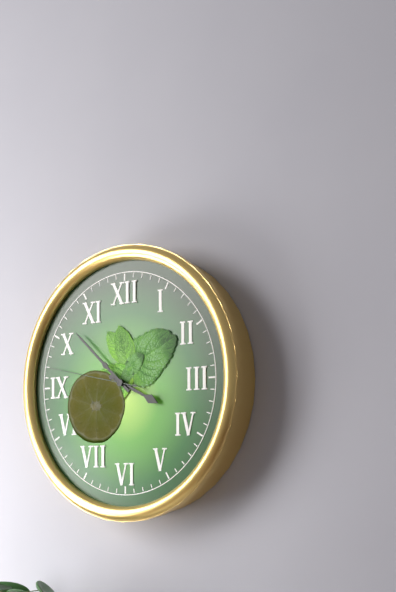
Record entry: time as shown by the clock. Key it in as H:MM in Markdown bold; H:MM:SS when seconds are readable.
**3:52:47**
